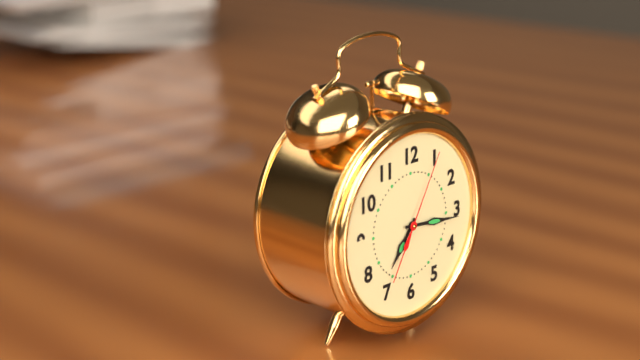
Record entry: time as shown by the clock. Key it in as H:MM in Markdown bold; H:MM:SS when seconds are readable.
**7:16:05**
